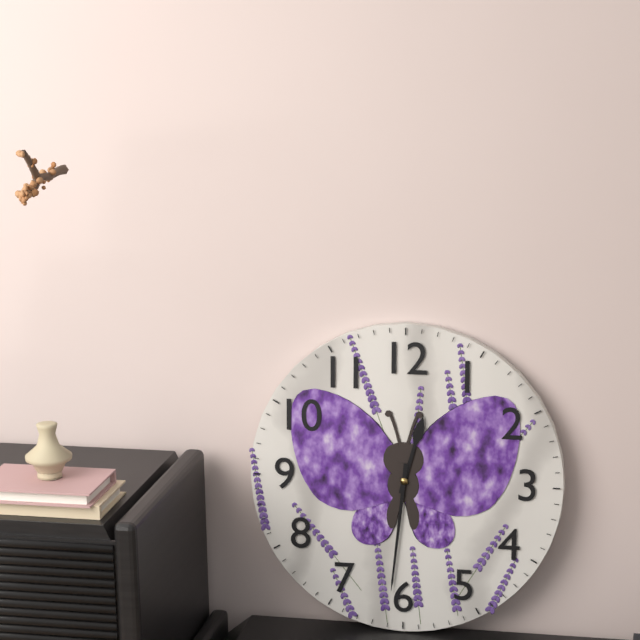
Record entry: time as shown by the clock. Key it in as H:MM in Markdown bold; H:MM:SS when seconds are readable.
**12:31**
